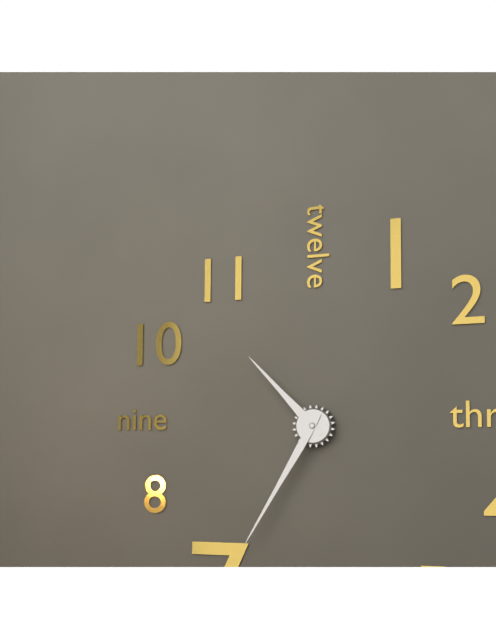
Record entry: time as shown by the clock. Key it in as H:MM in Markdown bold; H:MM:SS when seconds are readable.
**10:35**
